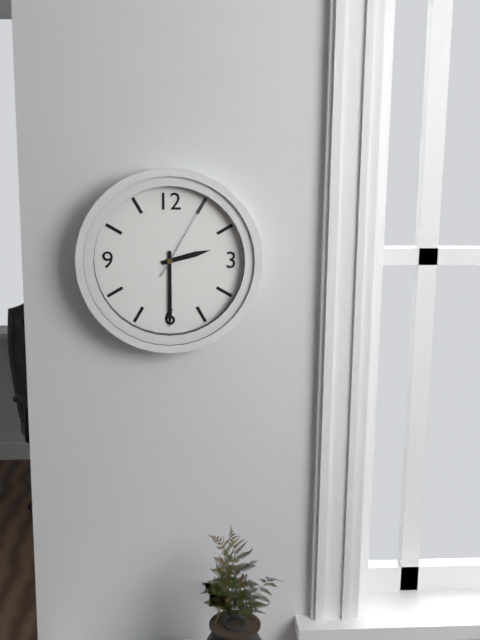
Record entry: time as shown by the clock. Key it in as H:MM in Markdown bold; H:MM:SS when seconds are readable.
**2:30:05**
